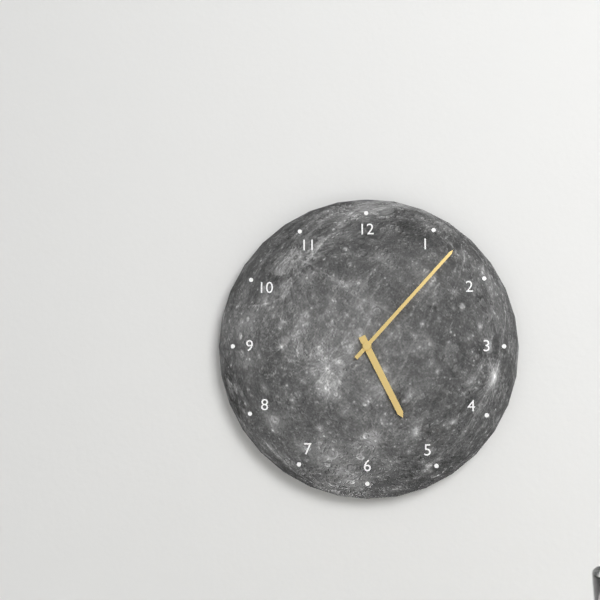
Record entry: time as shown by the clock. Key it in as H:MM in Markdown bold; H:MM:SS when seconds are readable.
**5:07**
